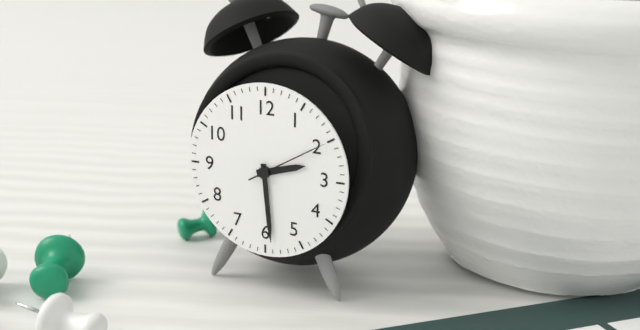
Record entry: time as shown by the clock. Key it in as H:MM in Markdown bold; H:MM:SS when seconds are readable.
**2:29:10**
